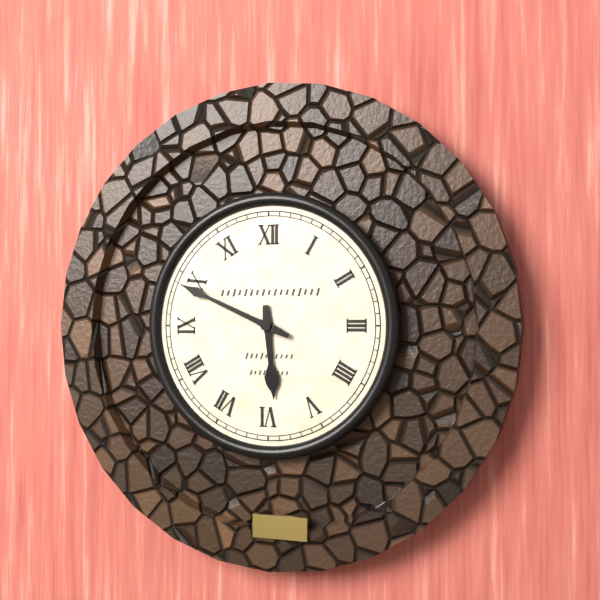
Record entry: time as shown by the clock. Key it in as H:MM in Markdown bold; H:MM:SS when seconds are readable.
**5:49**
